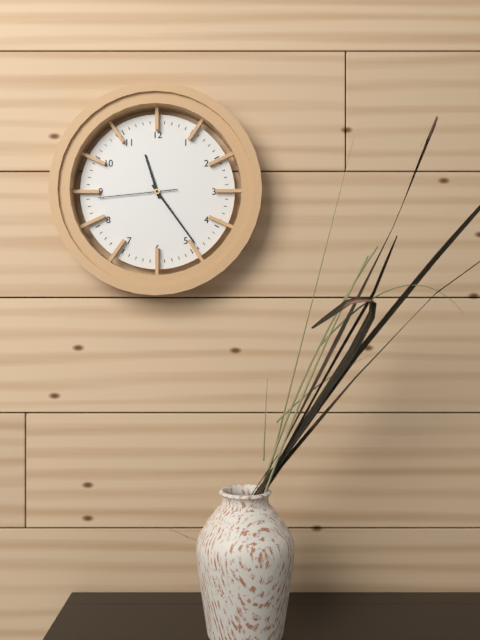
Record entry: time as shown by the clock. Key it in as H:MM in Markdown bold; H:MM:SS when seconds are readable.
**11:24:44**
